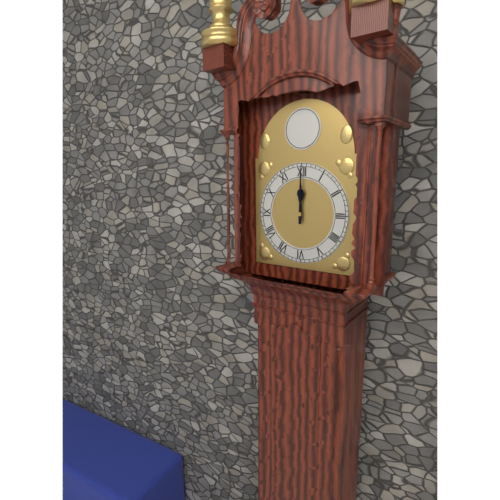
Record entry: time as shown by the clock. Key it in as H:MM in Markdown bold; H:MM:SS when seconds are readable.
**12:00**
